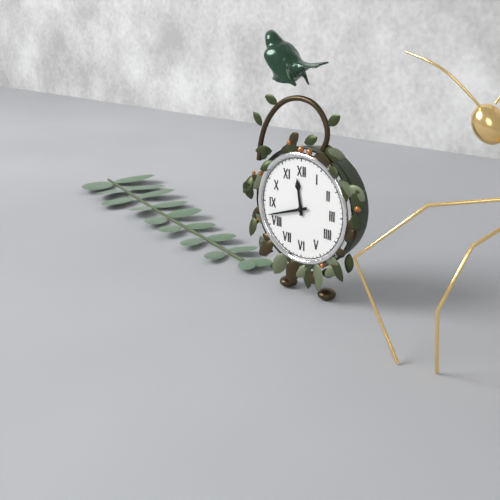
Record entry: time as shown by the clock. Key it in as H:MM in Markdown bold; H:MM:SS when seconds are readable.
**11:42**
